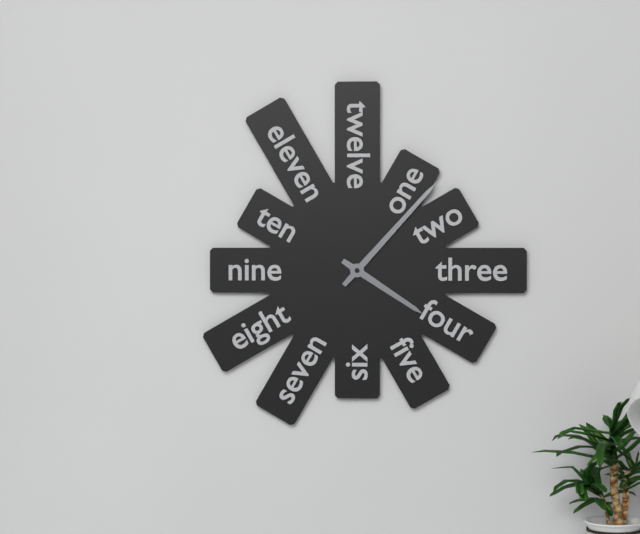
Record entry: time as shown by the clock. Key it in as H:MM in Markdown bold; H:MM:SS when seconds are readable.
**4:07**
